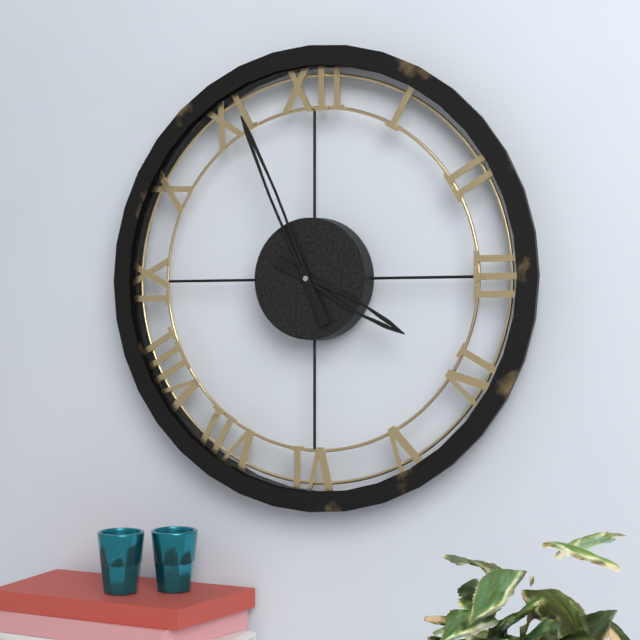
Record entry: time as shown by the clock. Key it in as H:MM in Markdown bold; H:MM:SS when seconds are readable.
**3:56**
